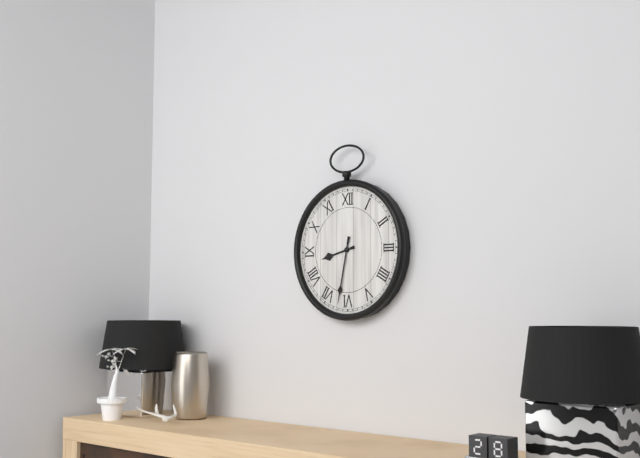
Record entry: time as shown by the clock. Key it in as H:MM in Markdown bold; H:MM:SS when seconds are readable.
**8:32**
